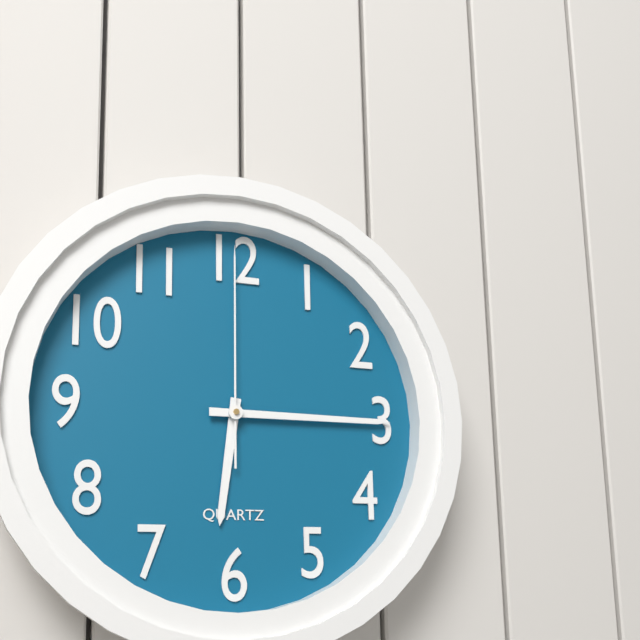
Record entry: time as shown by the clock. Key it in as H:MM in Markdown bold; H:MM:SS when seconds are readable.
**6:15:00**
